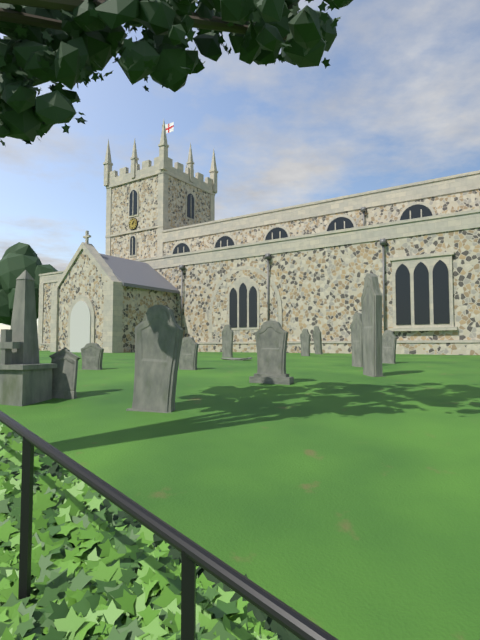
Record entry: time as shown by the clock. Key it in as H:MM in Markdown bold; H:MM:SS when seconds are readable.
**1:08**
